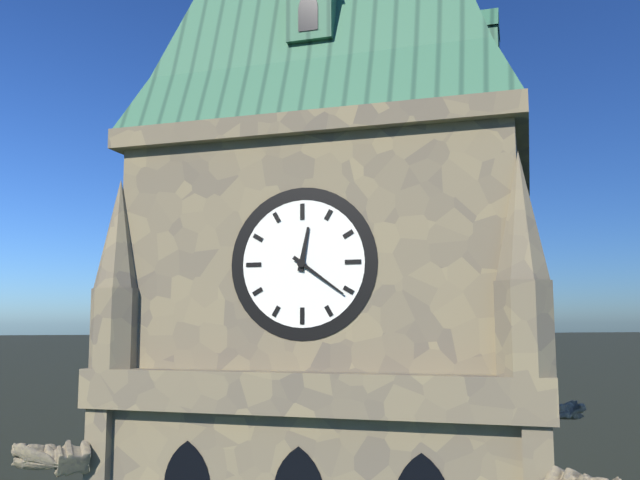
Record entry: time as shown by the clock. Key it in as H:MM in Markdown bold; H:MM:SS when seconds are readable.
**12:21**
